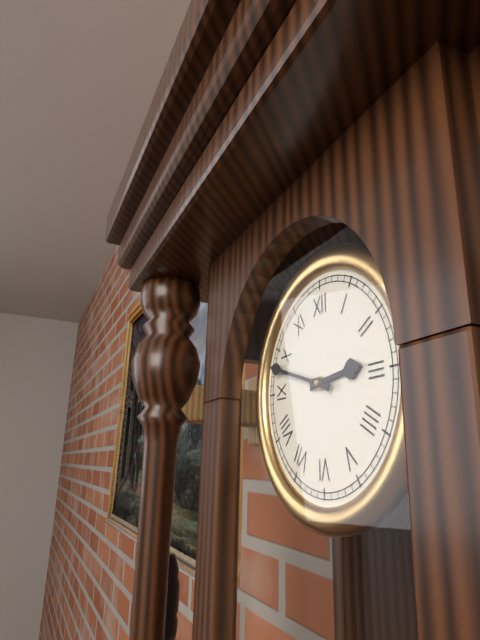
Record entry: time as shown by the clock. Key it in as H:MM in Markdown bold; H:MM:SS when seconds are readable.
**2:48**
